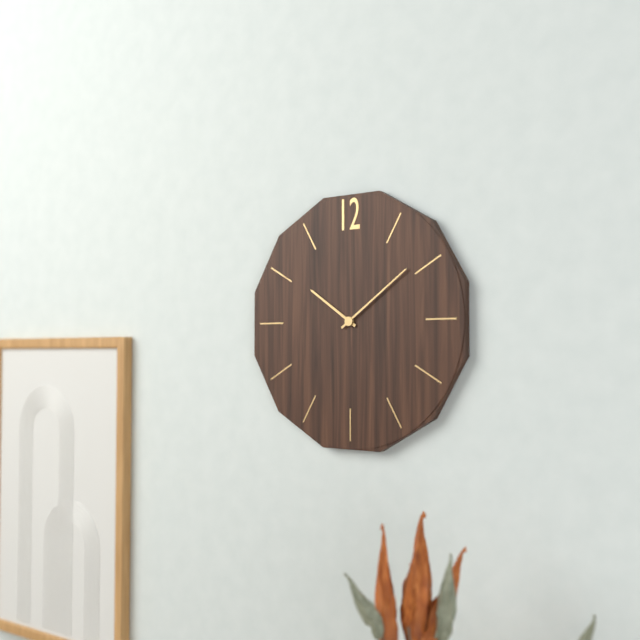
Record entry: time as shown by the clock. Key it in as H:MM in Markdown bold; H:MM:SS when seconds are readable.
**10:09**
